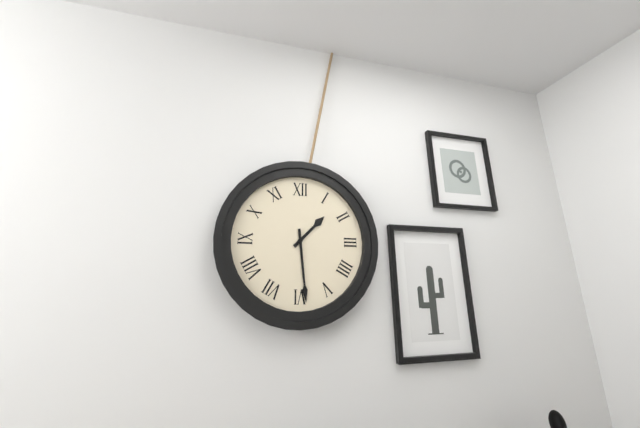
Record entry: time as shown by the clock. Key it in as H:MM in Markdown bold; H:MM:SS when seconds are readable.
**1:29**
